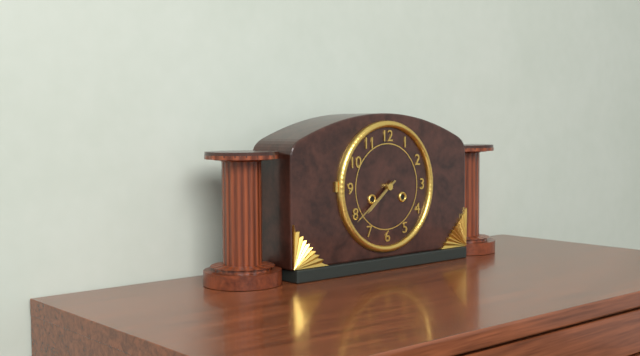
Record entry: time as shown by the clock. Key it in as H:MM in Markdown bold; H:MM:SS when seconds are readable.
**7:39**
